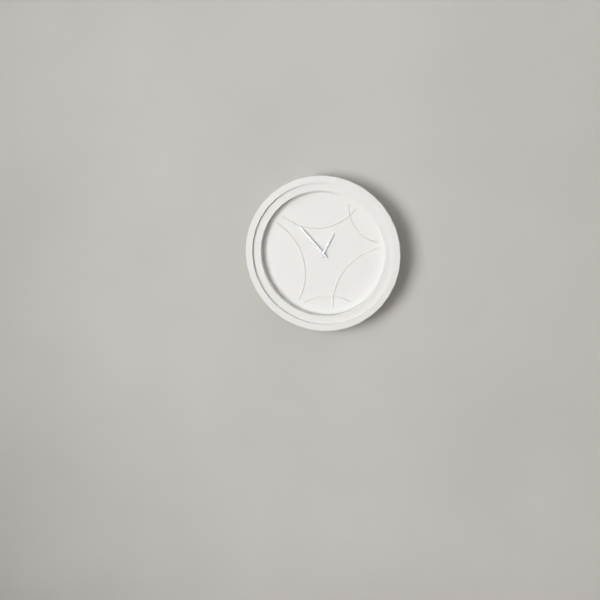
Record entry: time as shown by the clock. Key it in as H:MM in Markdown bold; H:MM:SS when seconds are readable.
**12:53**
